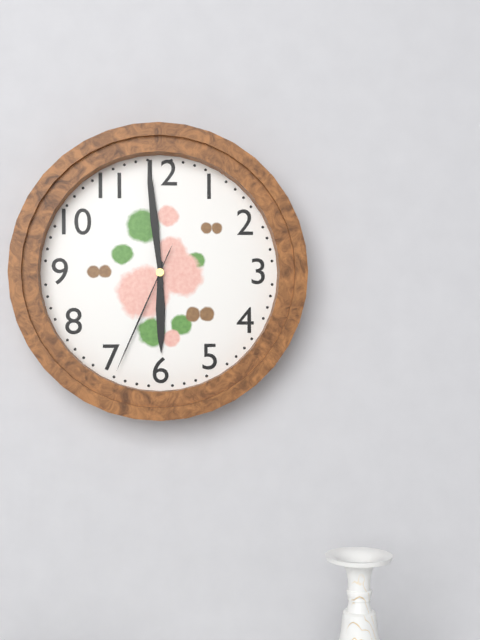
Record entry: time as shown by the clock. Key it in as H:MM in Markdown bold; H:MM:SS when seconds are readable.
**5:59:34**
